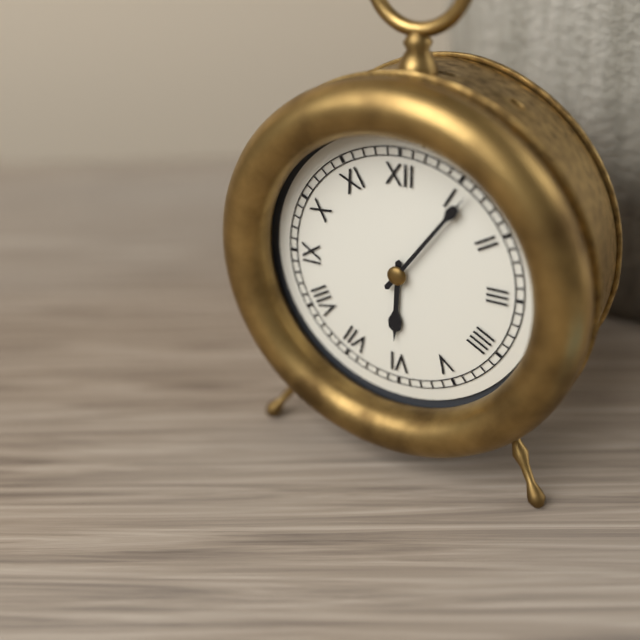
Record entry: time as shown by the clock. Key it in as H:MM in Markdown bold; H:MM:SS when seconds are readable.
**6:06**
